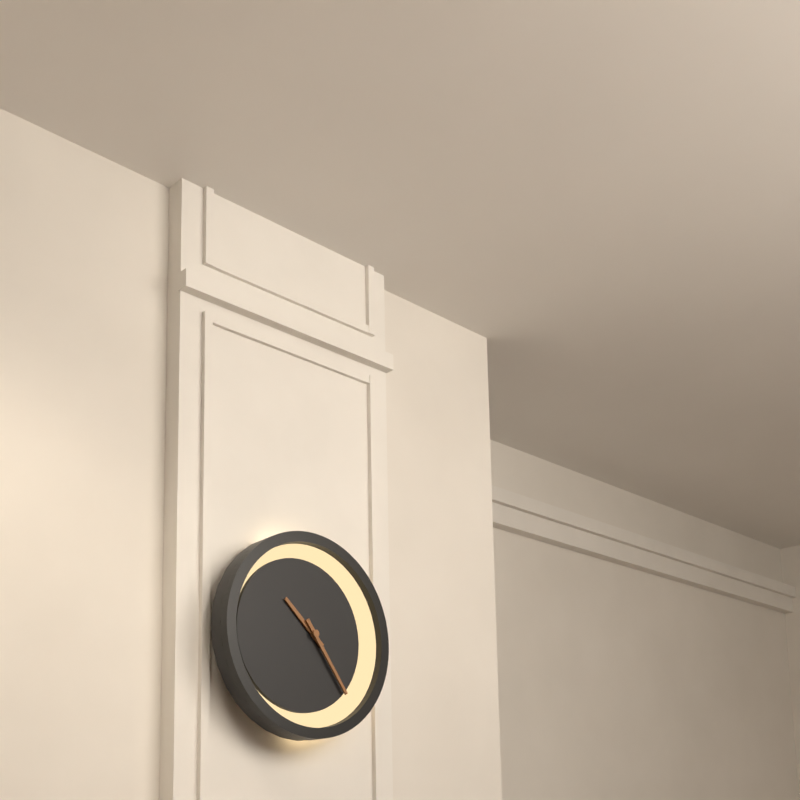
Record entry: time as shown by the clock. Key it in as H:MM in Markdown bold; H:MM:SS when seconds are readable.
**10:24**
